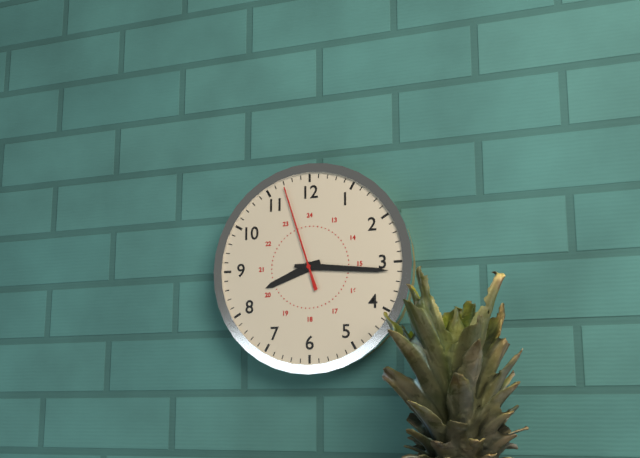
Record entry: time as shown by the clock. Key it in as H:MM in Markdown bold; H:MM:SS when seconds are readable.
**8:16:57**
